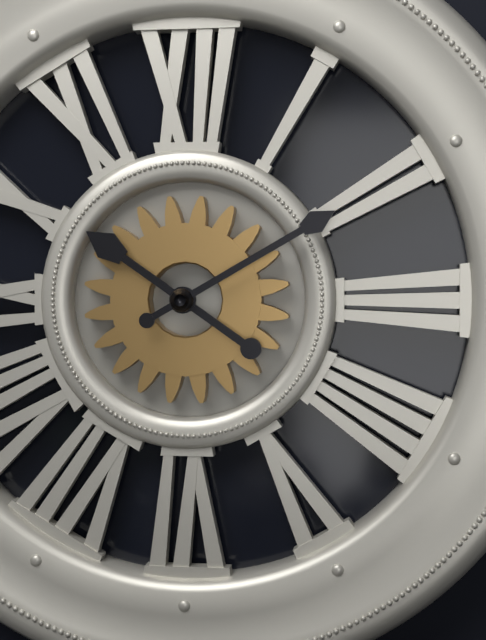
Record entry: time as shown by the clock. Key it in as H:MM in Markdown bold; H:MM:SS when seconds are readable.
**10:10**
